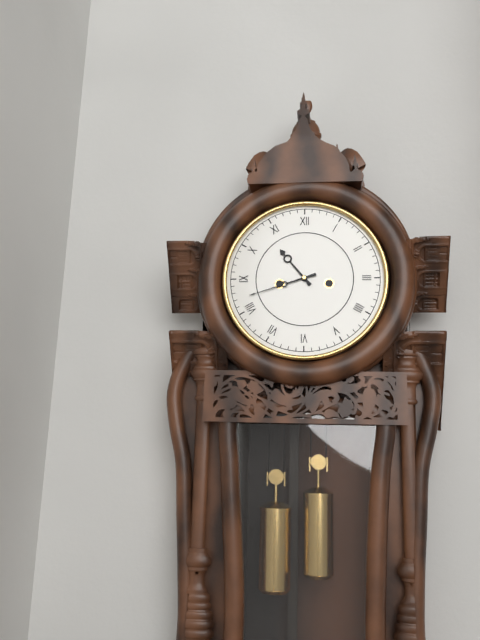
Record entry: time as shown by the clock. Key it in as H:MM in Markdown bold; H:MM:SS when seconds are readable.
**10:42**
